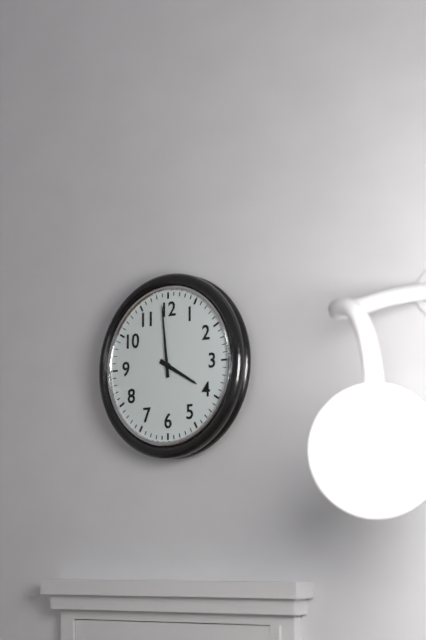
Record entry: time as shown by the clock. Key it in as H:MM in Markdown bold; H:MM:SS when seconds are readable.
**3:59**
